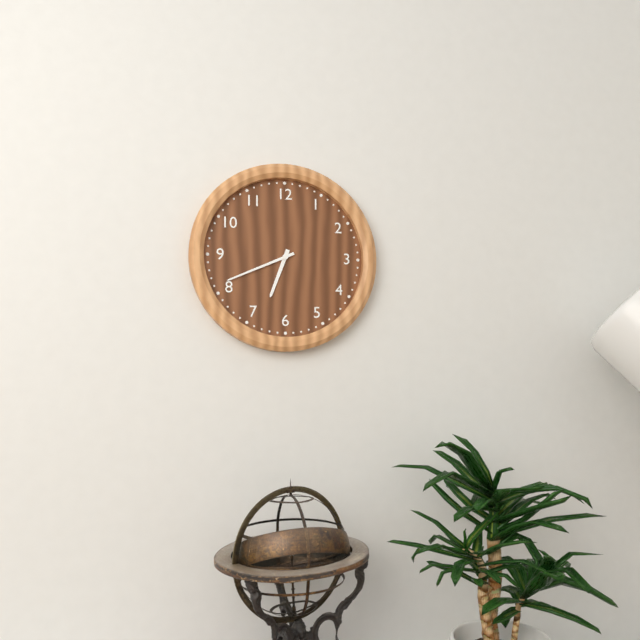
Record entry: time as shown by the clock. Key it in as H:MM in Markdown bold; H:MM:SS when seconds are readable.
**6:41**
